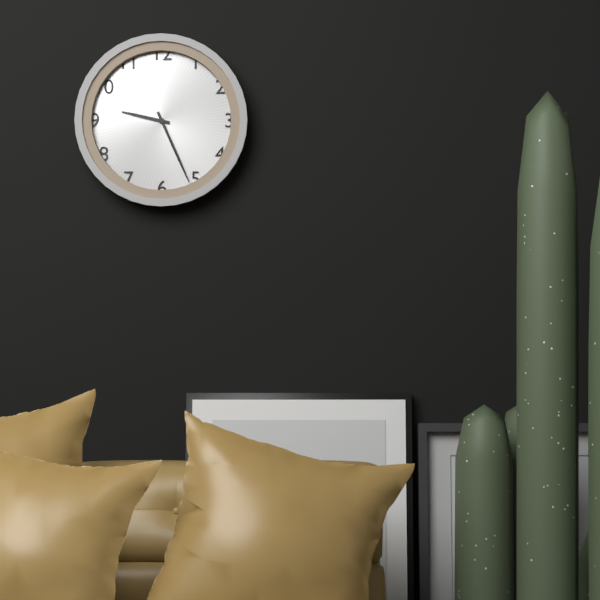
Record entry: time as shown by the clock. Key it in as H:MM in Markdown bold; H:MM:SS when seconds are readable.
**9:26**
